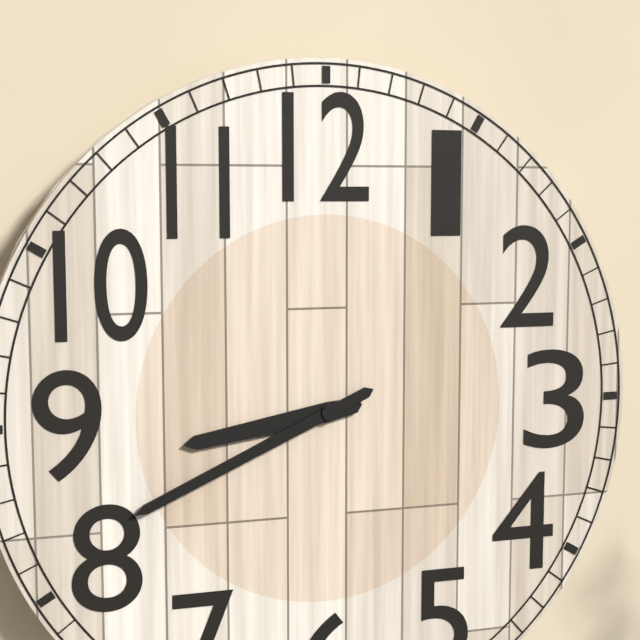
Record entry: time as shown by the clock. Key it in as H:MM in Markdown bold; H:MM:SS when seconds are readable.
**8:41**
